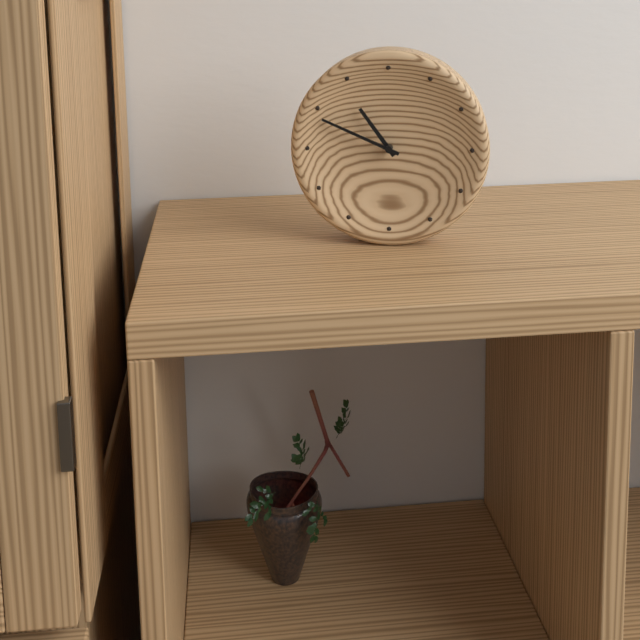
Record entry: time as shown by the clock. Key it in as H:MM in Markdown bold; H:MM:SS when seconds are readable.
**10:49**
